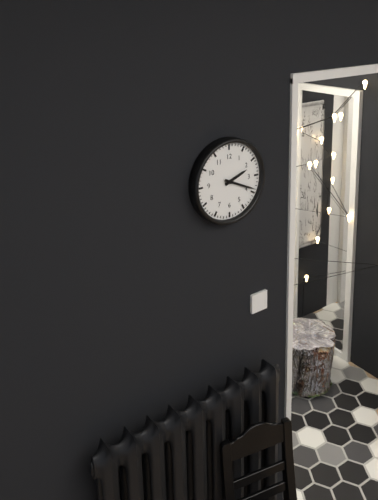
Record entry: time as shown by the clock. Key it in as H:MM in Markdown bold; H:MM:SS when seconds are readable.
**2:19**
